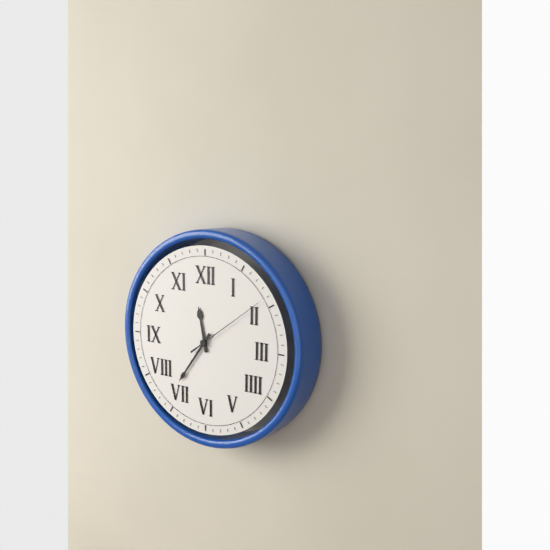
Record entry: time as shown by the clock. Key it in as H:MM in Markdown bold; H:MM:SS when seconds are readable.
**11:36:09**
